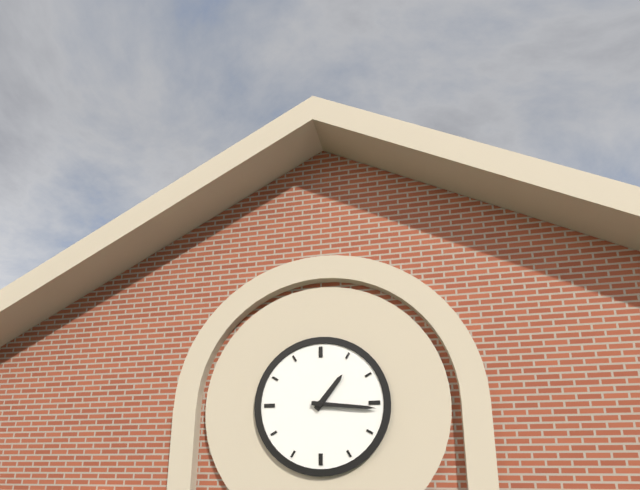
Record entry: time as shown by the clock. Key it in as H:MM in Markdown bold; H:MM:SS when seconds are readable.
**1:16**
